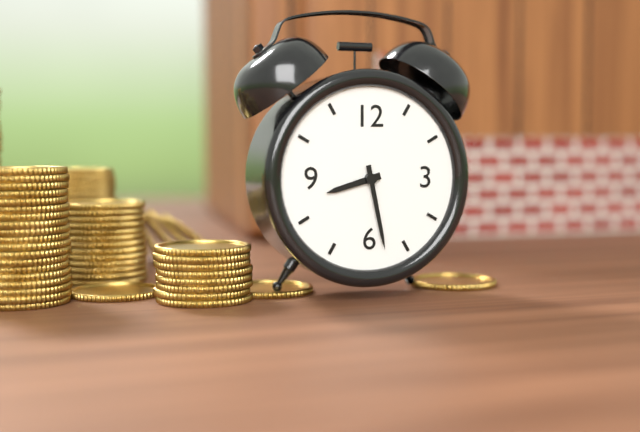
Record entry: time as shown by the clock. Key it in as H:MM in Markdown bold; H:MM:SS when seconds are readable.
**8:28**
